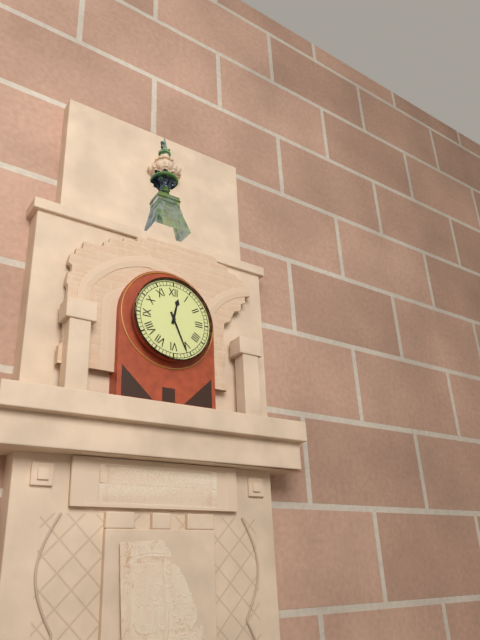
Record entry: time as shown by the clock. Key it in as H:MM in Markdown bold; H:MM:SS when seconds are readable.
**12:26**
